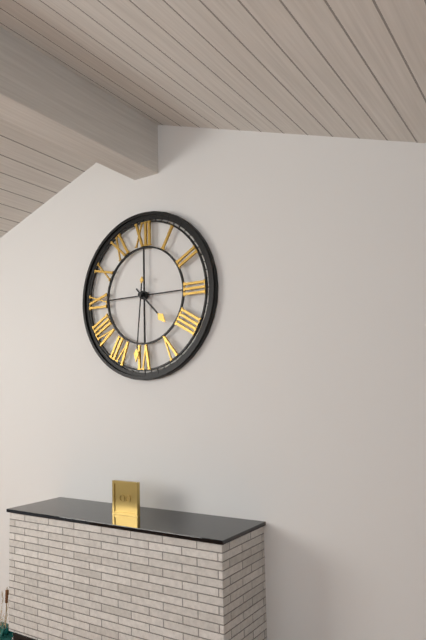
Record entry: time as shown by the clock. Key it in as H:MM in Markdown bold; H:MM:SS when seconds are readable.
**4:31**
